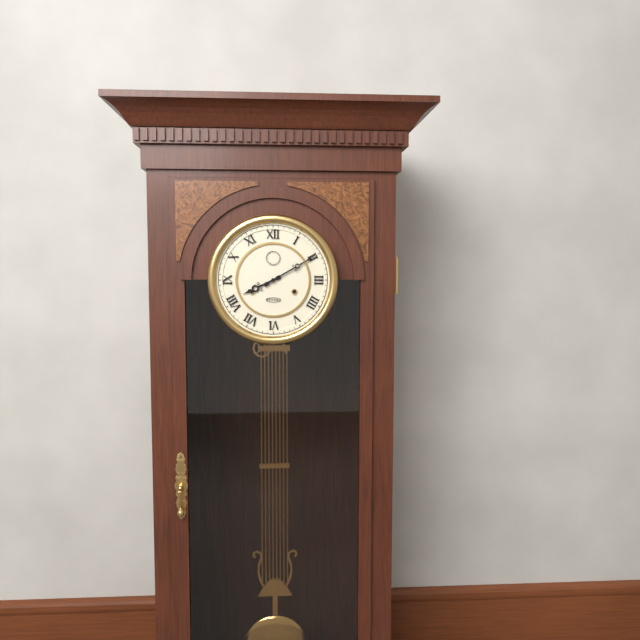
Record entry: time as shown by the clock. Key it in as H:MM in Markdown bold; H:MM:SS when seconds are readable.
**8:10**
